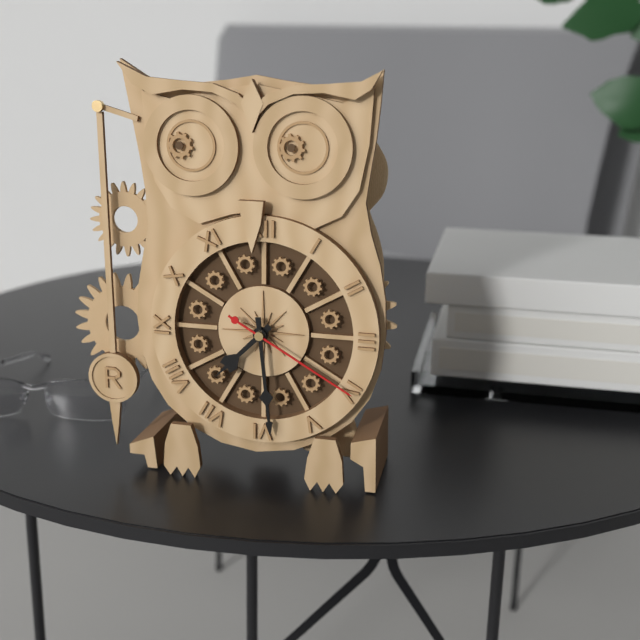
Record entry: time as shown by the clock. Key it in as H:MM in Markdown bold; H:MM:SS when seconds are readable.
**7:29:20**
